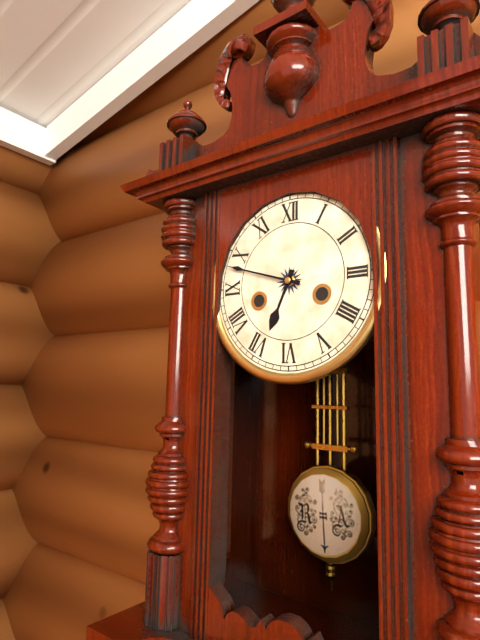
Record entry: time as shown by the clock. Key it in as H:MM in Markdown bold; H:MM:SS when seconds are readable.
**6:48**
